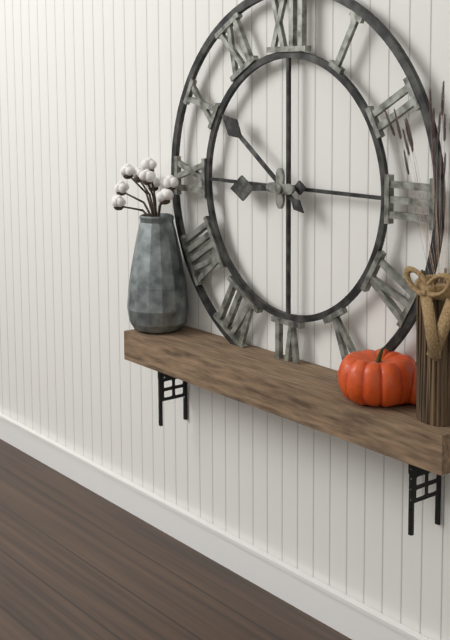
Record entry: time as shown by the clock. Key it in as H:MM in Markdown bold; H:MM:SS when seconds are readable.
**8:51**
